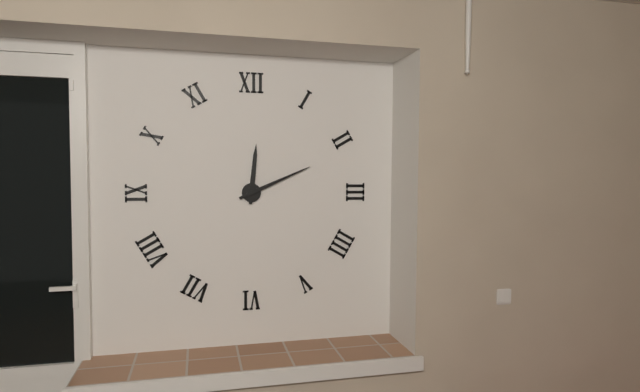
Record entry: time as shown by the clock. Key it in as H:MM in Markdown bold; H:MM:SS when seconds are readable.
**12:11**
